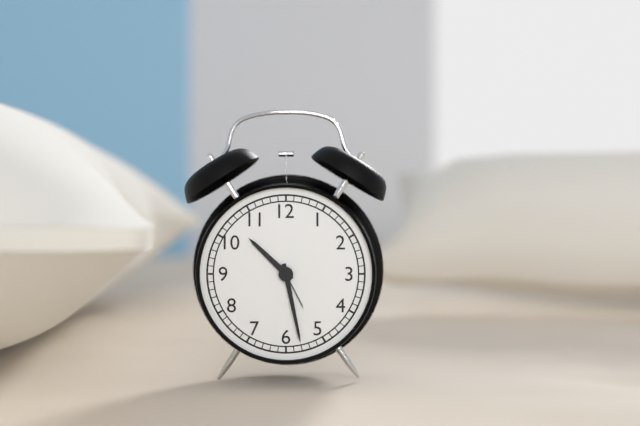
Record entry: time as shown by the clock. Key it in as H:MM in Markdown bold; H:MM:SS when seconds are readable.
**10:28**
